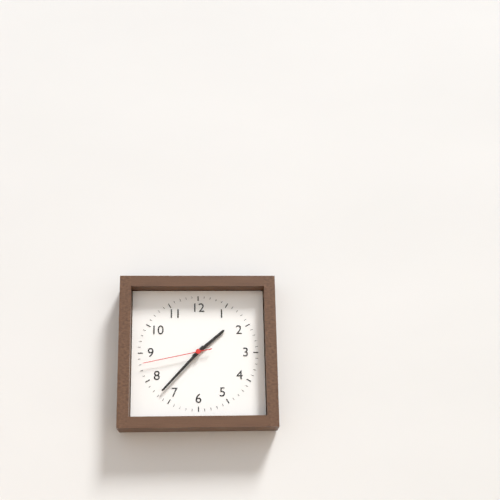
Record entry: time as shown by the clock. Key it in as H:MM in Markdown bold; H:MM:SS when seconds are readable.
**1:37:43**
